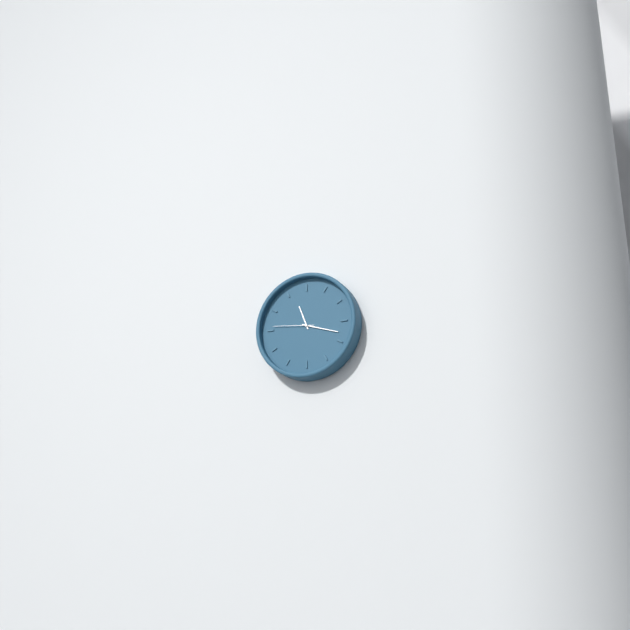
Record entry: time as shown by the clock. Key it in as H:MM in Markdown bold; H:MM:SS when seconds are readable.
**11:18**
